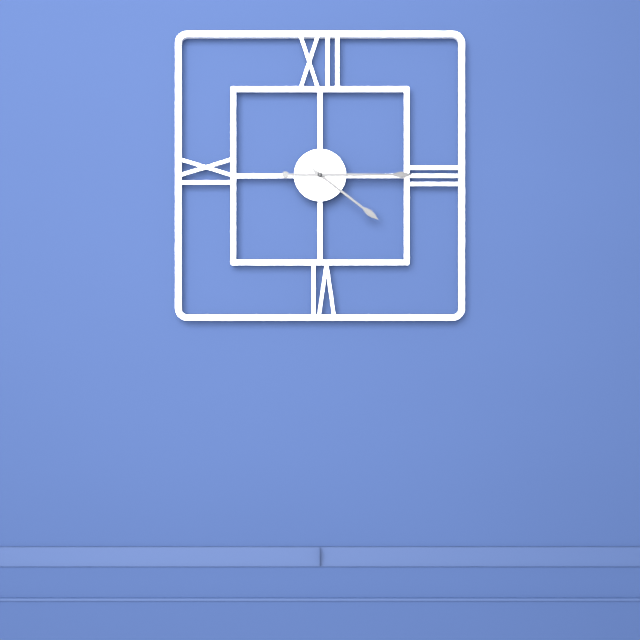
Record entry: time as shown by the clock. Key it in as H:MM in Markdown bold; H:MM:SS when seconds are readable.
**4:15**
